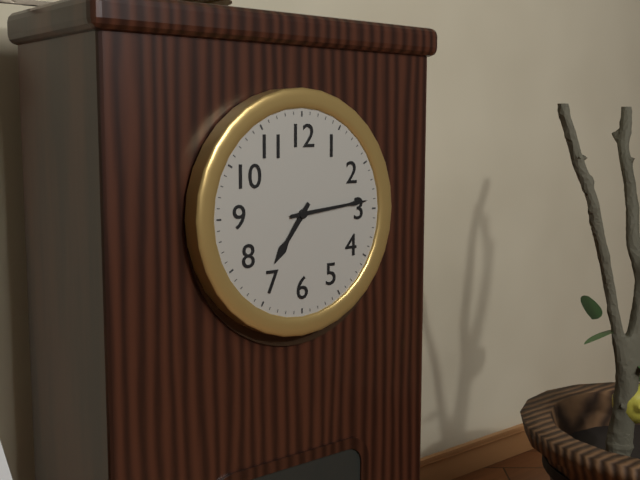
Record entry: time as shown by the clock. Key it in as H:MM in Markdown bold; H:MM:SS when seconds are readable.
**7:14**
